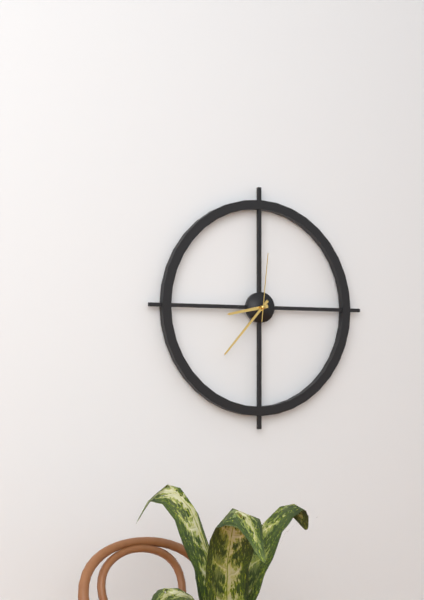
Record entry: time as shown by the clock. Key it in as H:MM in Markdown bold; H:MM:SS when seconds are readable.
**8:37:01**
